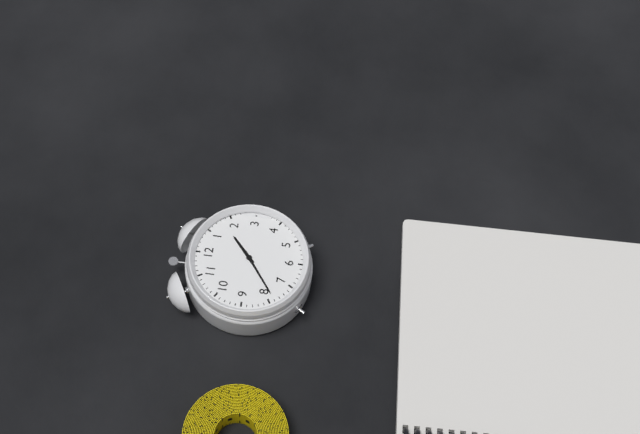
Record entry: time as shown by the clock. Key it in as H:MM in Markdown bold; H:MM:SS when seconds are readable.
**1:39**
